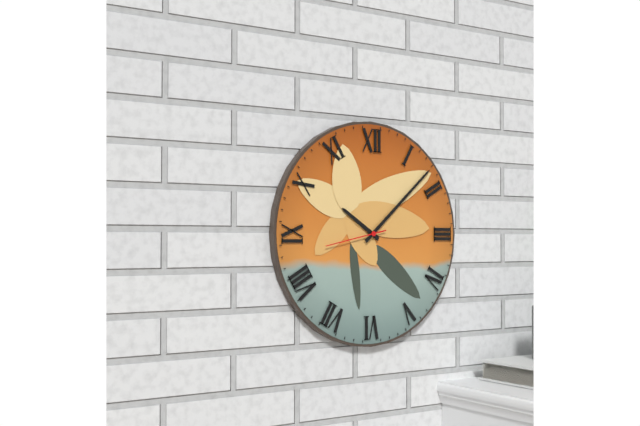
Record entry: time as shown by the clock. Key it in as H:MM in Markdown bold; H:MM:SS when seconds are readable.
**10:08:43**
